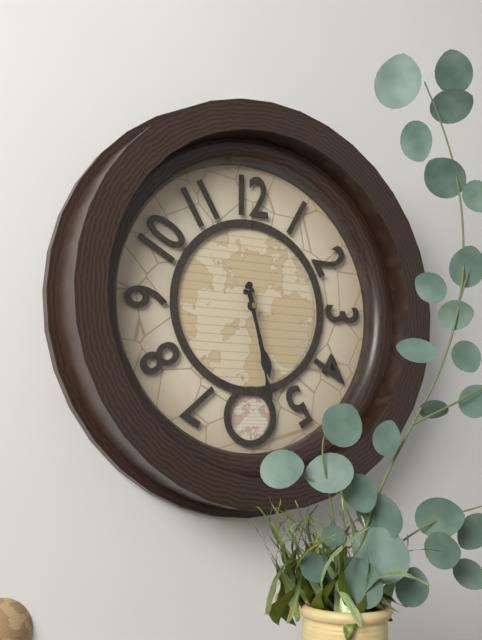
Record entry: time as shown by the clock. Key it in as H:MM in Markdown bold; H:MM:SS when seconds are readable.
**5:28**
